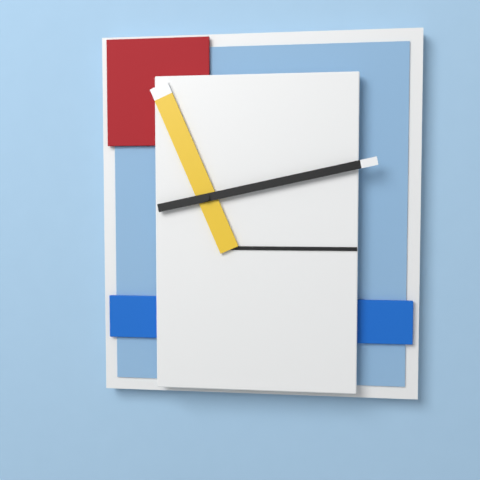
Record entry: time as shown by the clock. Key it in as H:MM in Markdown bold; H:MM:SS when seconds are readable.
**11:13**
